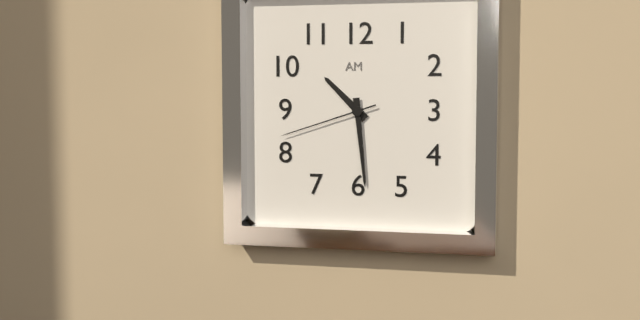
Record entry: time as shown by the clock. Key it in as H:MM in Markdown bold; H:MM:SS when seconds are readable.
**10:29:42**
